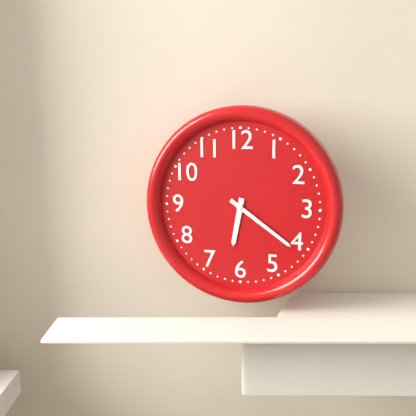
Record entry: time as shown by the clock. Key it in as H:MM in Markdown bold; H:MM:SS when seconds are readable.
**6:21**
